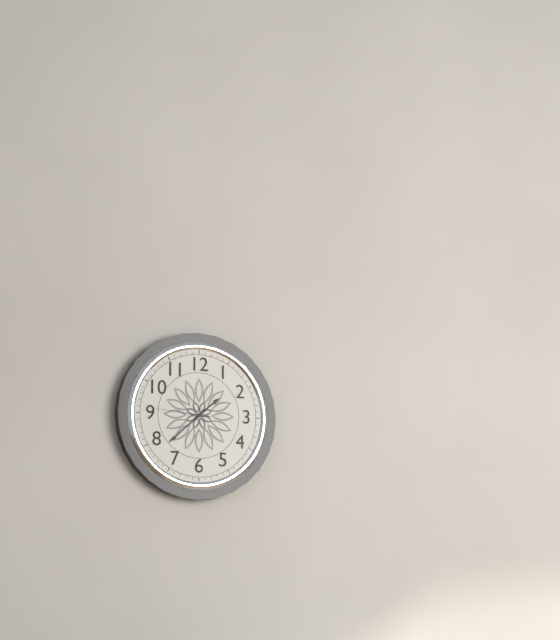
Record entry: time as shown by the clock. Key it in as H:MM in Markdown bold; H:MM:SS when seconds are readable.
**1:38:46**
